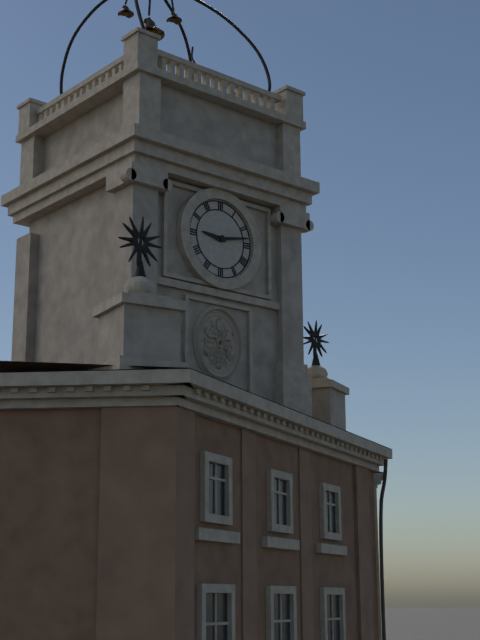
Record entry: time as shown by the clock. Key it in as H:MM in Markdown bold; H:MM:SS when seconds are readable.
**9:13**
